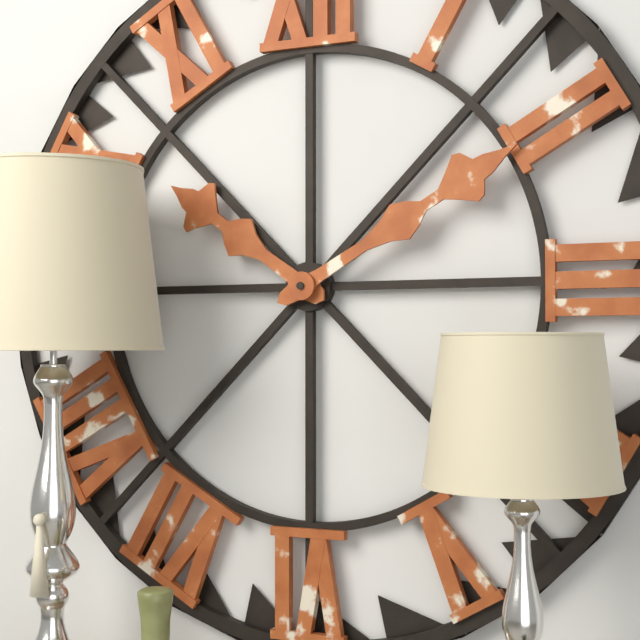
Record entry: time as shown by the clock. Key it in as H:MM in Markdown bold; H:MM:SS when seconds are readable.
**10:10**
